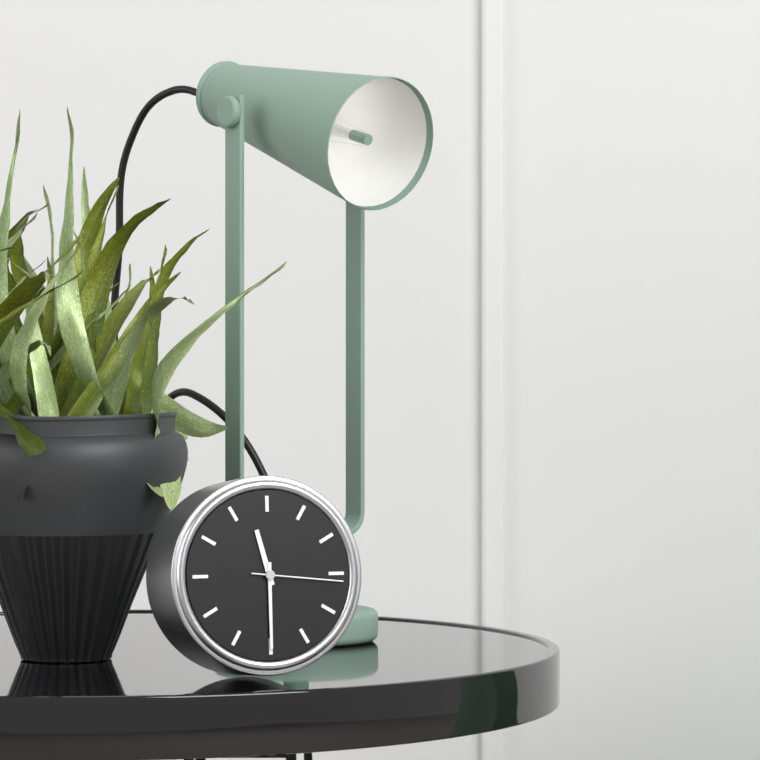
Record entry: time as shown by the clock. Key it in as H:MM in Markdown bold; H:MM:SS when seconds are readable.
**11:30:16**
